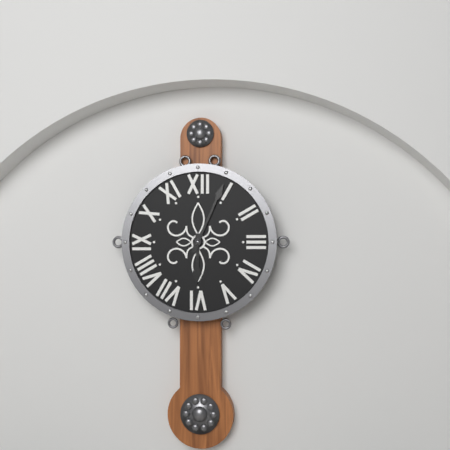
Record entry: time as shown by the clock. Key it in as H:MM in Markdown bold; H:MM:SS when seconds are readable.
**6:04**
